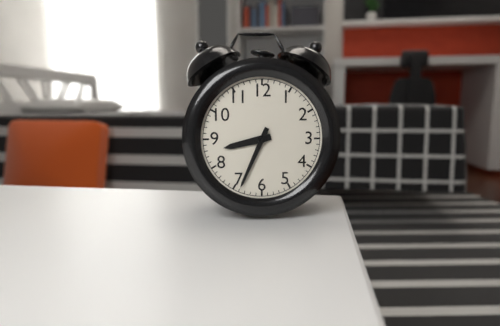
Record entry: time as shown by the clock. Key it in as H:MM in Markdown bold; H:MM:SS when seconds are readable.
**8:34**
